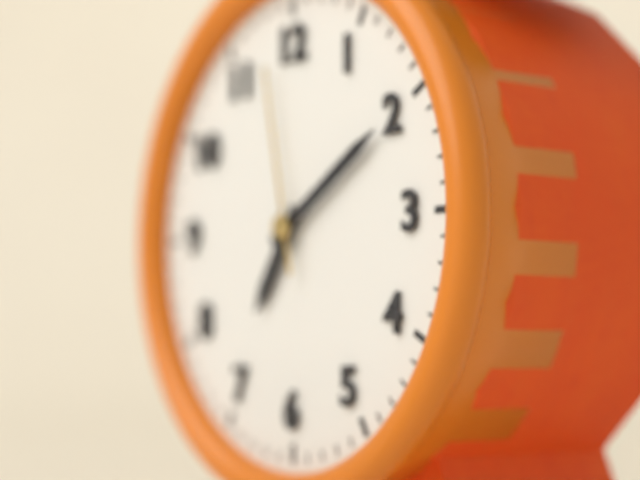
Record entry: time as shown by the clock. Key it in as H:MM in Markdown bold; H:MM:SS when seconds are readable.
**7:10:58**
